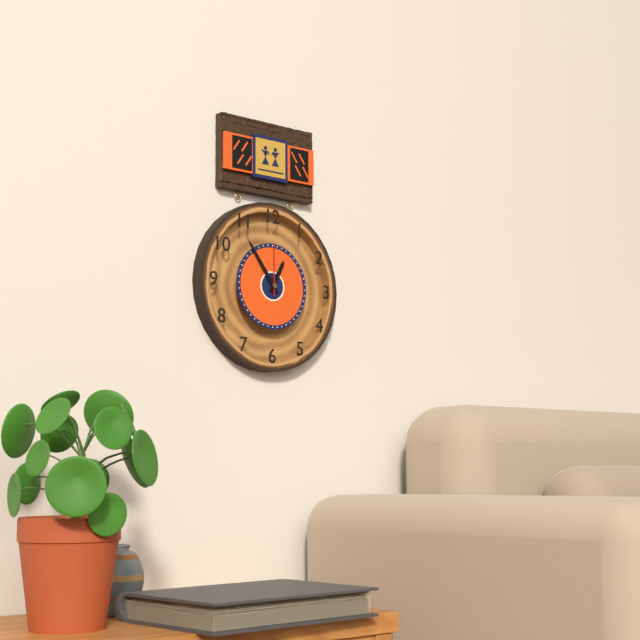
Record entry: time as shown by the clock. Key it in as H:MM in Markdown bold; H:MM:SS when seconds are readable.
**12:54:00**
